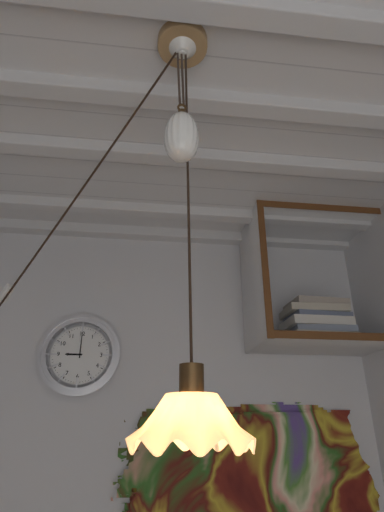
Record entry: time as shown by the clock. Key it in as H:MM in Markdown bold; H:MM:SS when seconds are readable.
**9:00**
